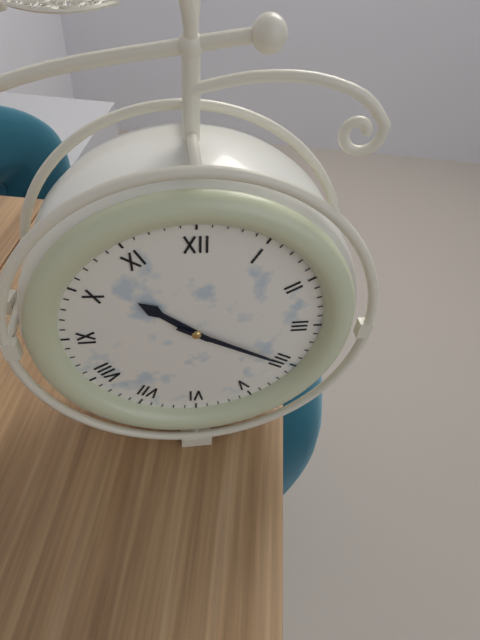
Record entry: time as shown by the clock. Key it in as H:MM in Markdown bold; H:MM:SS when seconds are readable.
**10:20**
